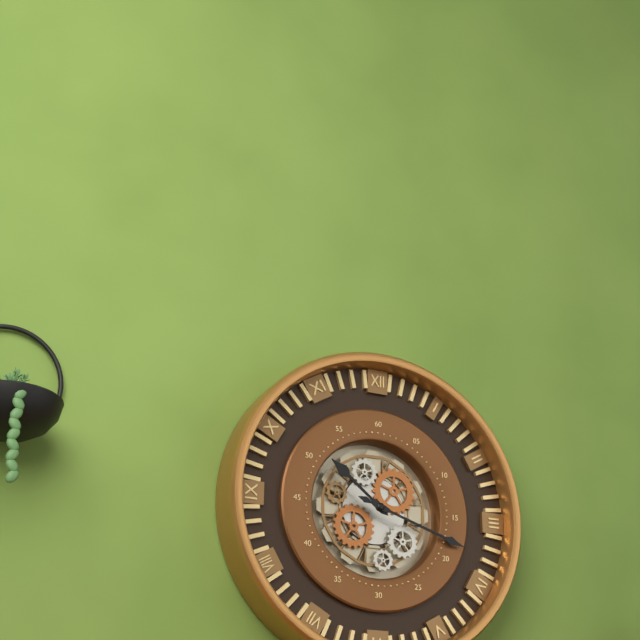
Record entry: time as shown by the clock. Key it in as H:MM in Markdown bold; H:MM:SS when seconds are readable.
**10:18**
